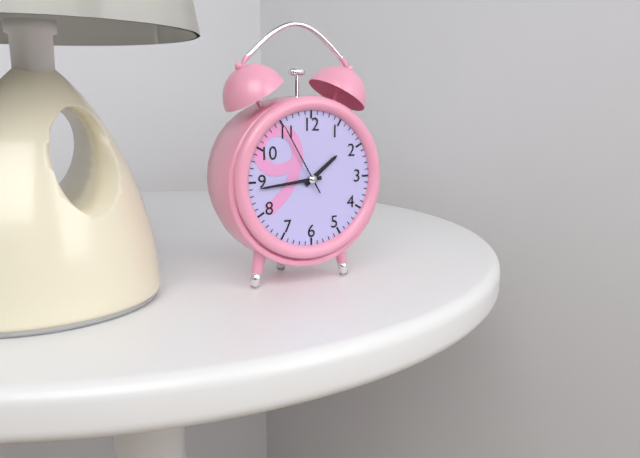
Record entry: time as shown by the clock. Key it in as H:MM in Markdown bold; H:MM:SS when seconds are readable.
**1:44:55**
